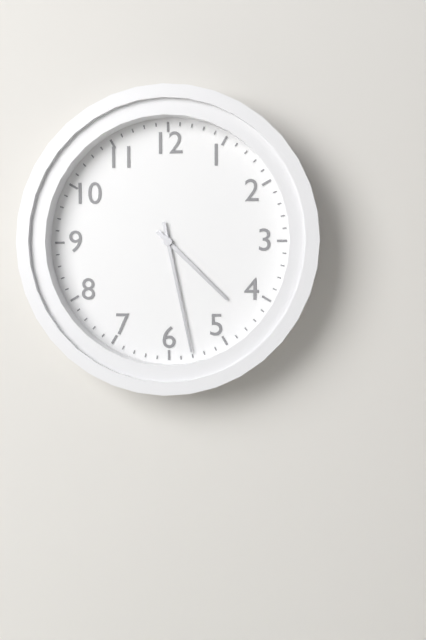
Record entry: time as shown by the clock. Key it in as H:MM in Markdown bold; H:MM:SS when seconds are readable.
**4:28**
